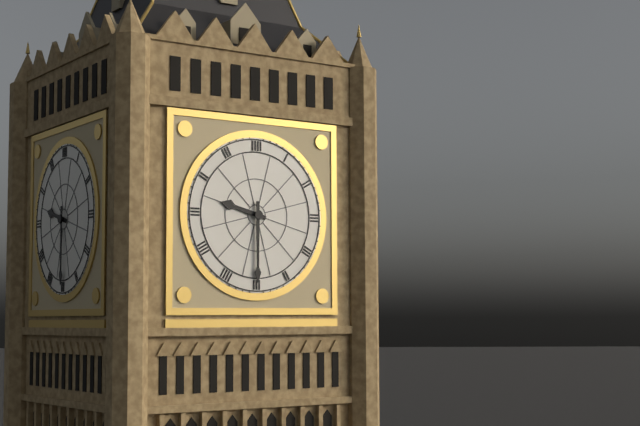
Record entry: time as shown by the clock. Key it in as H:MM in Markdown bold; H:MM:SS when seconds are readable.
**9:30**
